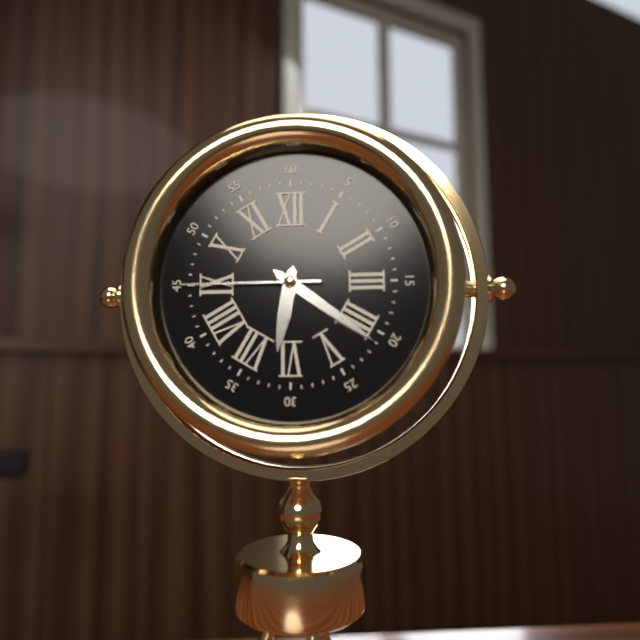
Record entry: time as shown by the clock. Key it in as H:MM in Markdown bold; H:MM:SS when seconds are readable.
**6:21:45**
